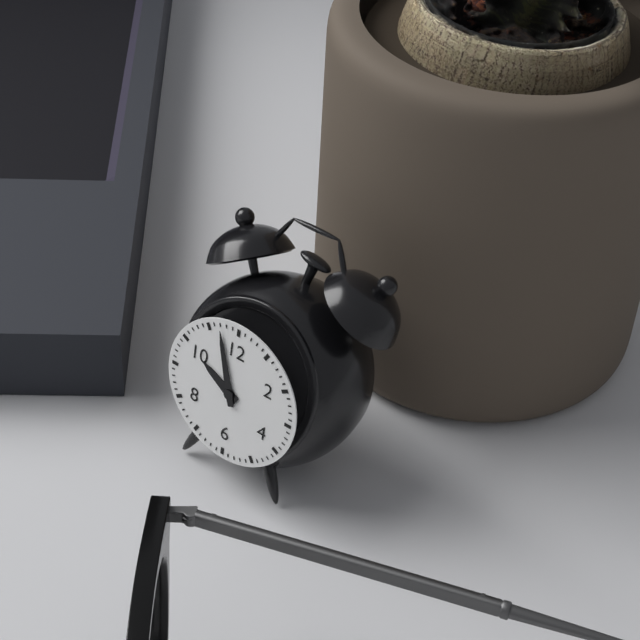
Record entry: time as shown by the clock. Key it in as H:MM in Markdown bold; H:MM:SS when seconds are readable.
**9:57**
